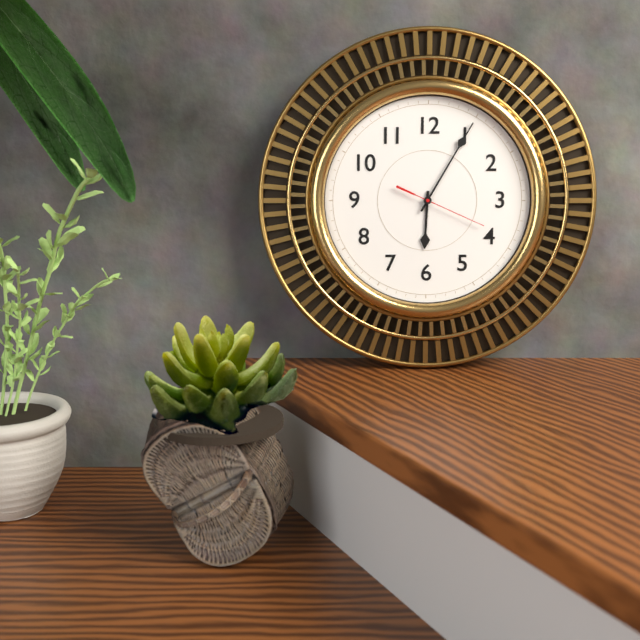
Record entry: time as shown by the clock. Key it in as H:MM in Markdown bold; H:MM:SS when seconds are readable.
**6:05:19**
